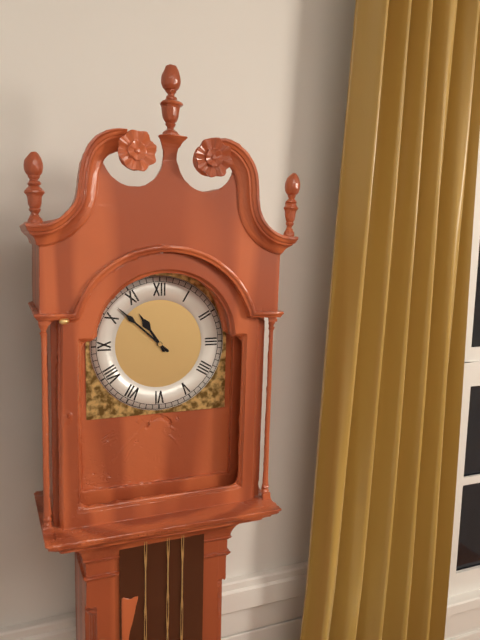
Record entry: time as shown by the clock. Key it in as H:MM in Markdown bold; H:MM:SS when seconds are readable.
**10:52**
